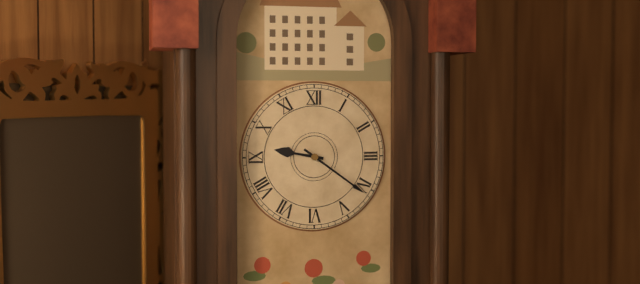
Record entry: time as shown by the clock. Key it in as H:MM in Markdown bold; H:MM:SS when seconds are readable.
**9:21**
